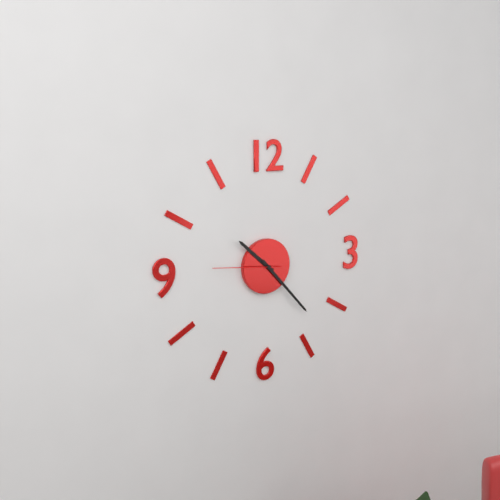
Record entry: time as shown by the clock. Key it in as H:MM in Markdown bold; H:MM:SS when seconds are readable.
**10:23:46**
